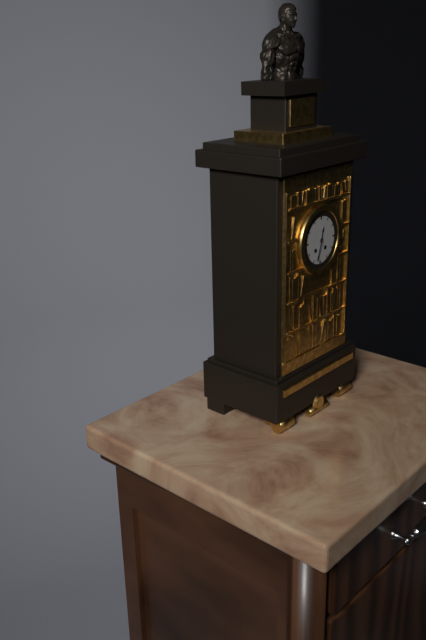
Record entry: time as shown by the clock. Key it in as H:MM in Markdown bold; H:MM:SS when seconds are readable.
**12:33**
